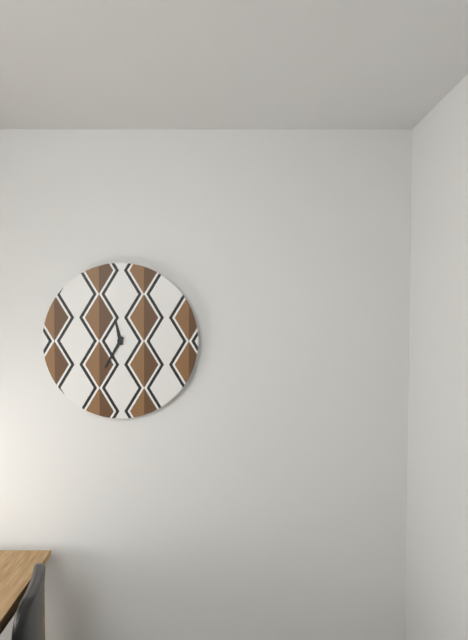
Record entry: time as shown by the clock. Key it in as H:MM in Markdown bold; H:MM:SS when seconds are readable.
**11:35**
